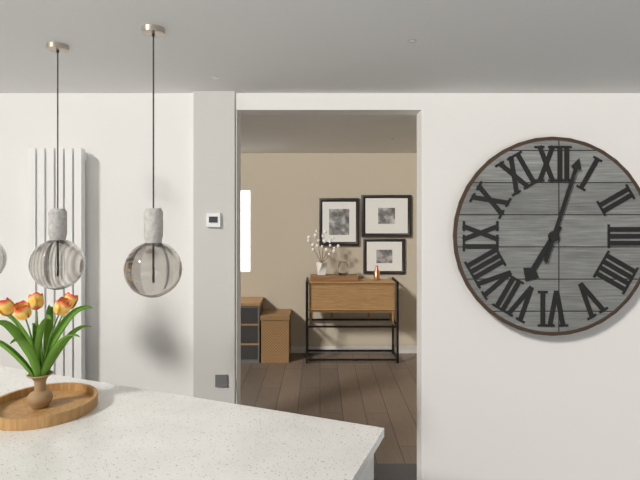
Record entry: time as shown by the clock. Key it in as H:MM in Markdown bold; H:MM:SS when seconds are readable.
**7:03**
